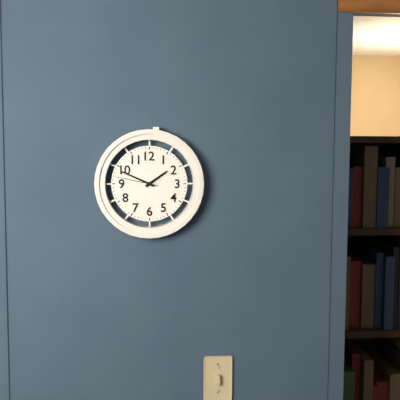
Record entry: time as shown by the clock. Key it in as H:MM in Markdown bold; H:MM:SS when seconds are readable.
**1:49**
